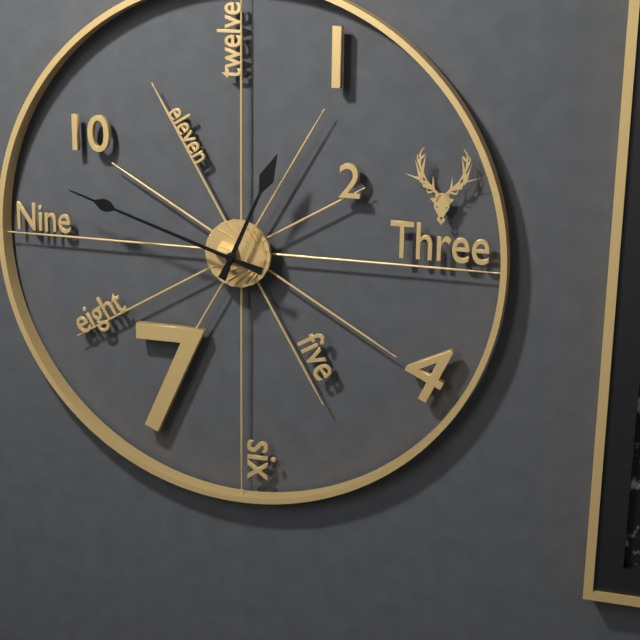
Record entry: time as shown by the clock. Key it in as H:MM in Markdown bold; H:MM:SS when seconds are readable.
**12:48**
